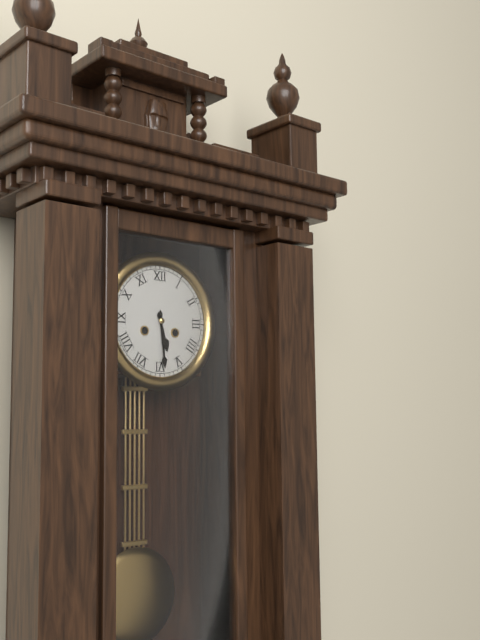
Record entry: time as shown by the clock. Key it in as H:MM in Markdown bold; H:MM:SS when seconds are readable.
**5:29**
